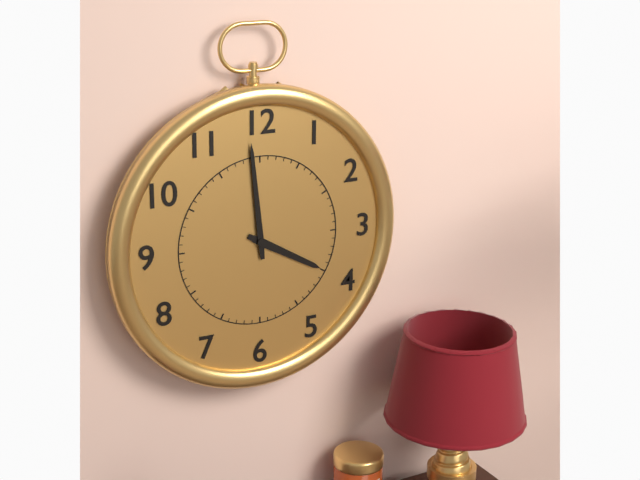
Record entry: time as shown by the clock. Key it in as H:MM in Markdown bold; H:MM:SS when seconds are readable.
**3:59**
